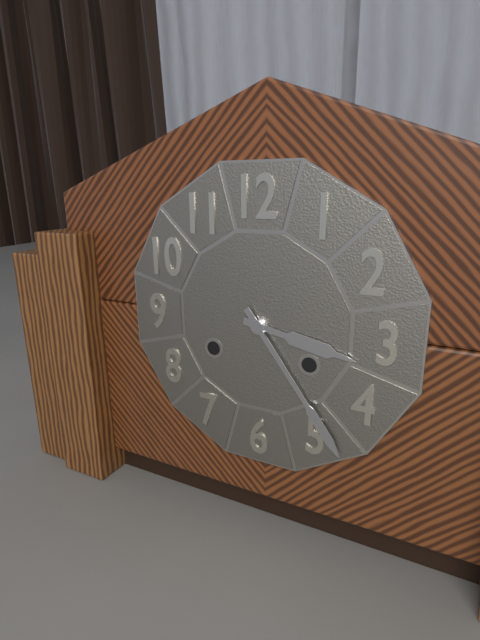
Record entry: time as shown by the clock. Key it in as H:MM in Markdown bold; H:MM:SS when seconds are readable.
**3:24**
